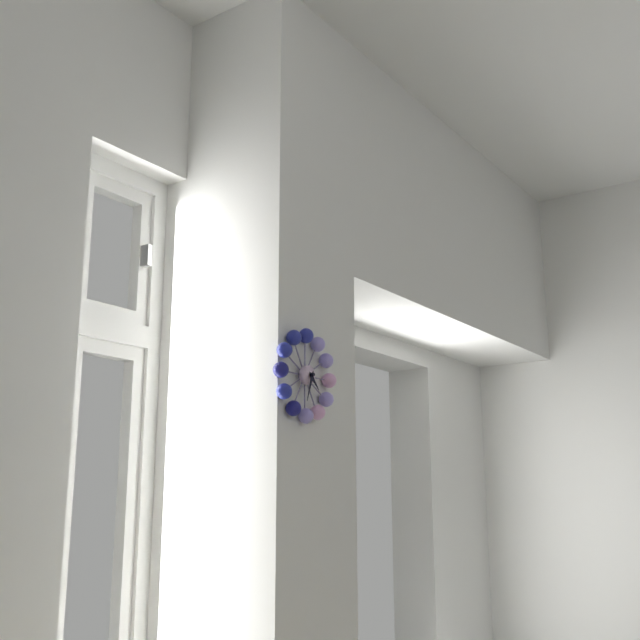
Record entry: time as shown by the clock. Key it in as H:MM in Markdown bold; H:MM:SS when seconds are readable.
**4:33**
